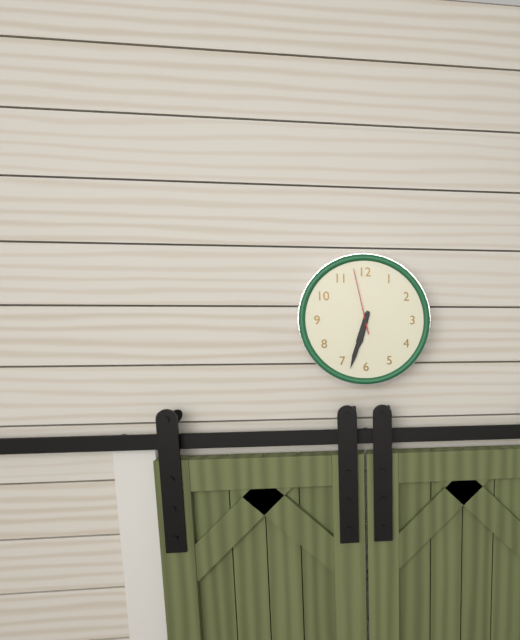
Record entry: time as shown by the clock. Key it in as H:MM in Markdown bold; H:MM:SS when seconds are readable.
**6:33:58**
